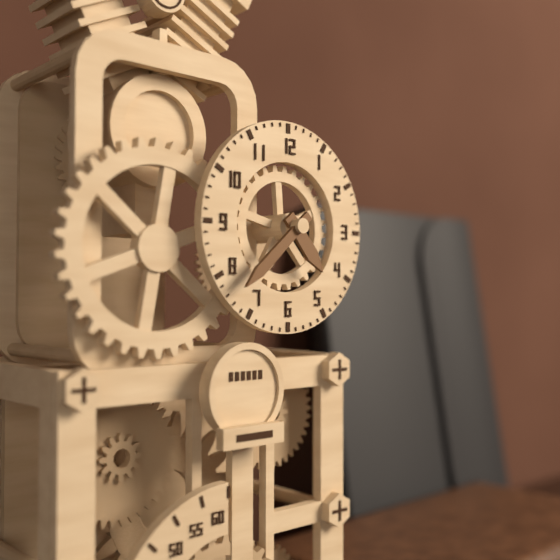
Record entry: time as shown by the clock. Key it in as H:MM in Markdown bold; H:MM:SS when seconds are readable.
**4:38**
